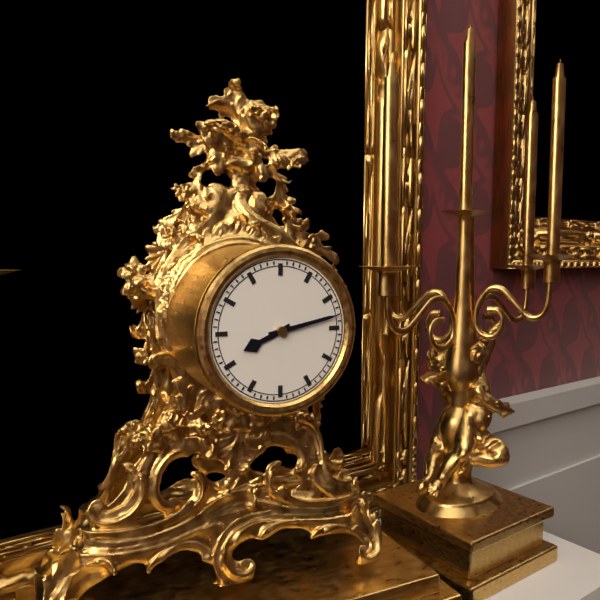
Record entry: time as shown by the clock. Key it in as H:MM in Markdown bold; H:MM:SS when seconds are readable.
**8:13**
